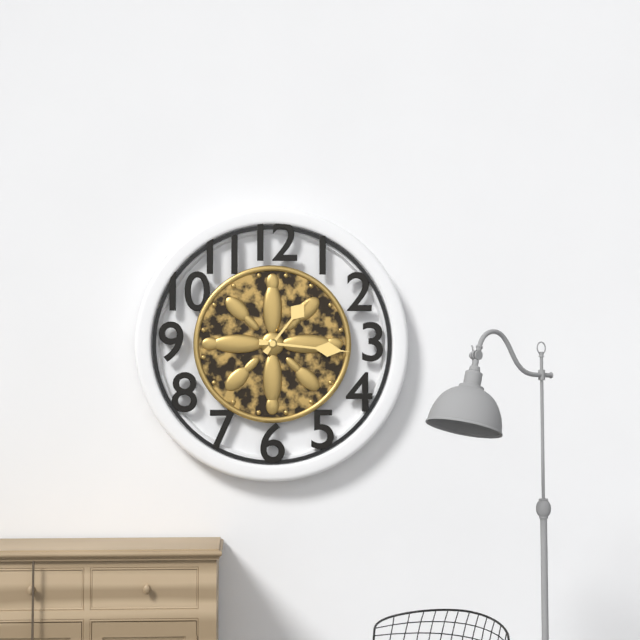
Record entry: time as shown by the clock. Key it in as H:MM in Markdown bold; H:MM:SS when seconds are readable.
**1:16**
